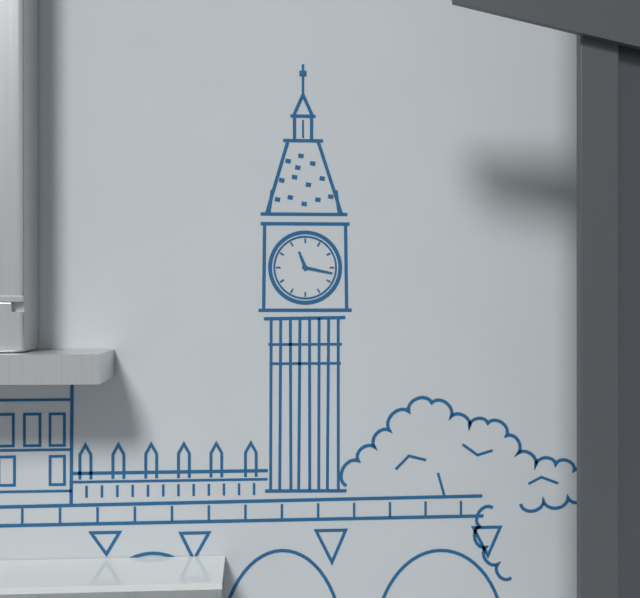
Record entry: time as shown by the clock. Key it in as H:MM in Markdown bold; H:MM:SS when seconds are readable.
**11:17**
